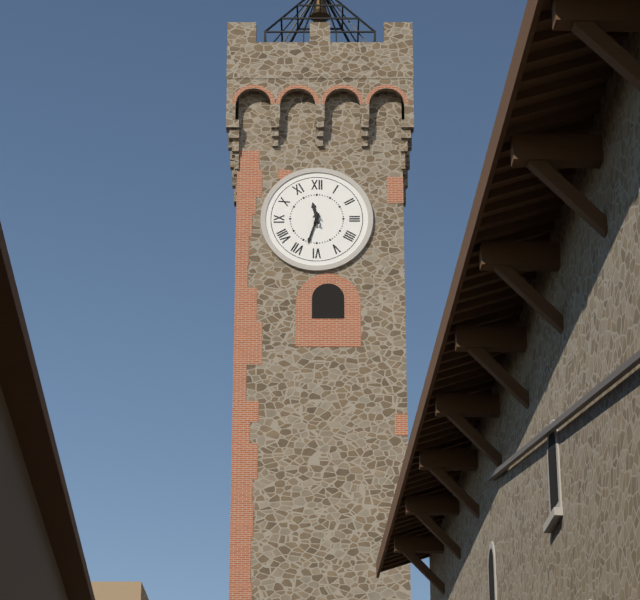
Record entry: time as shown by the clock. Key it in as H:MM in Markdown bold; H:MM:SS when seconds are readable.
**11:33**
